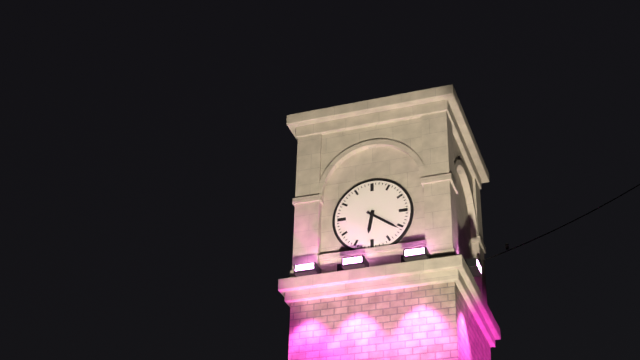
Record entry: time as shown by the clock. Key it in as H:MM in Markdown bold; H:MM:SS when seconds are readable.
**6:21**
